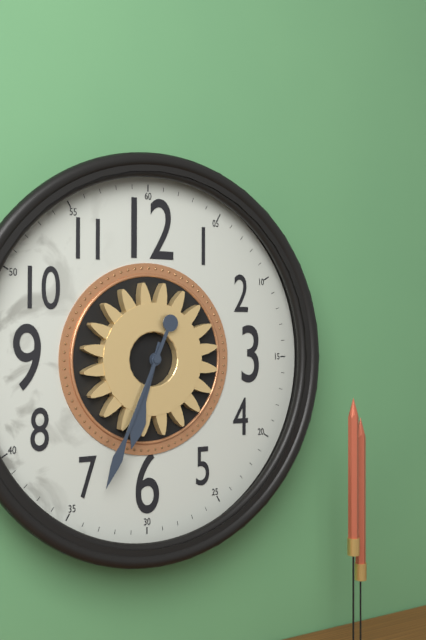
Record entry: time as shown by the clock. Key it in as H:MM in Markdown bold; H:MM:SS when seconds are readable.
**6:34**
